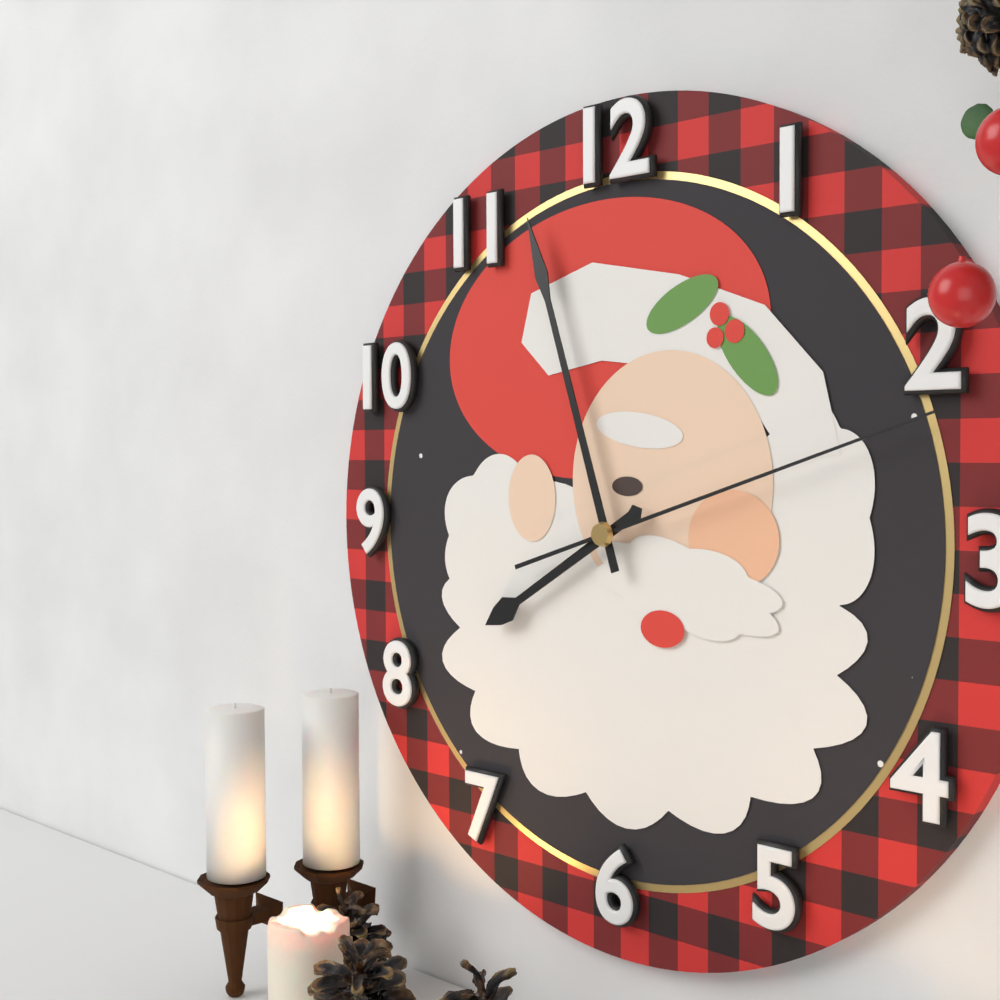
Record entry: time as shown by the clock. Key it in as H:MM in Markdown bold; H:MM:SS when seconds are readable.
**7:57:12**
